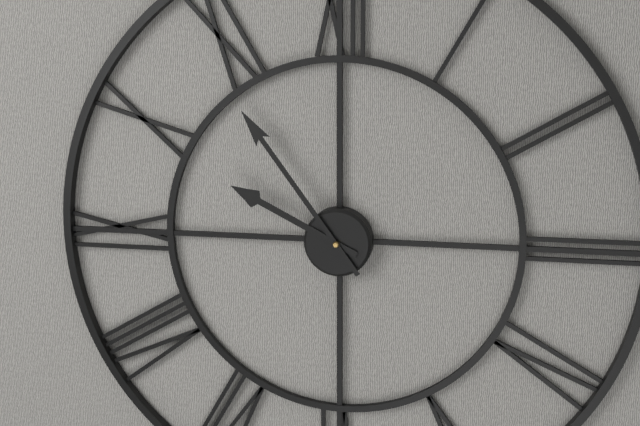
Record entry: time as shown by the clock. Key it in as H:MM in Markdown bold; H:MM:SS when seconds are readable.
**9:54**
